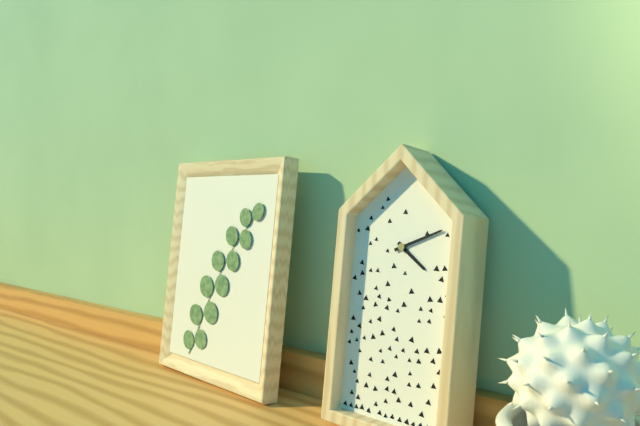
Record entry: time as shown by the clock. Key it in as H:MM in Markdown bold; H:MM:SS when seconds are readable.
**4:11**
